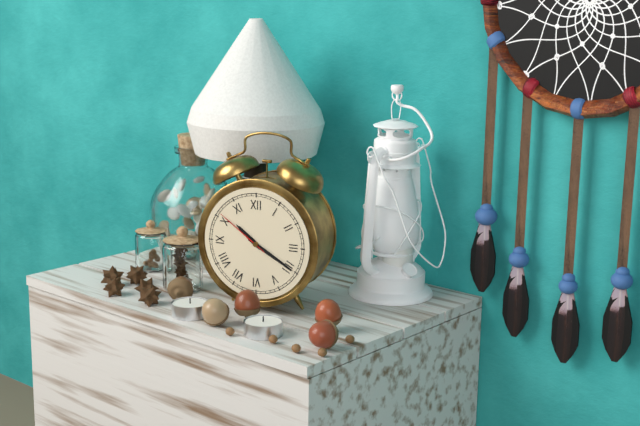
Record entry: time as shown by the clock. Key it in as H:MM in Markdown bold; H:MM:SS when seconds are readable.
**10:20:51**
